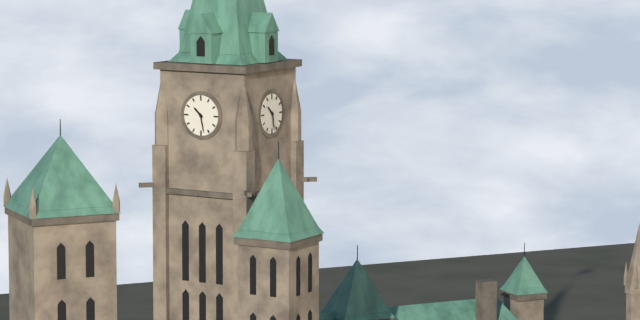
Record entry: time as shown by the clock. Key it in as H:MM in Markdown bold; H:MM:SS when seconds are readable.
**10:28**
